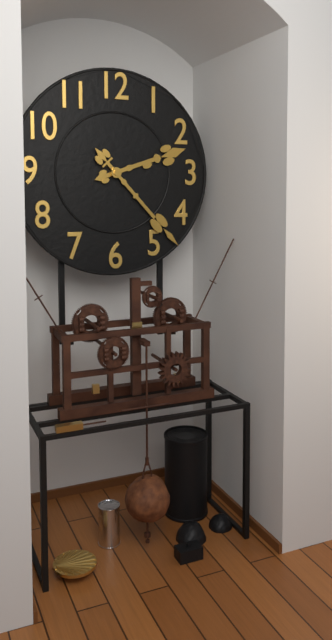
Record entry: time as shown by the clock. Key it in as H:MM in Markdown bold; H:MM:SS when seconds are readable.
**2:23**
